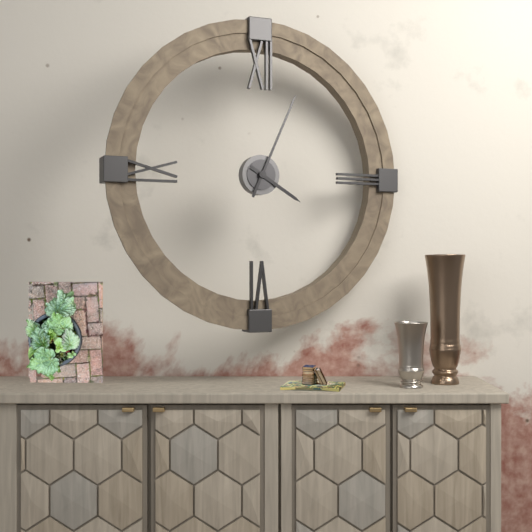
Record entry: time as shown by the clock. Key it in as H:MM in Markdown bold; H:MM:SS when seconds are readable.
**4:04**
